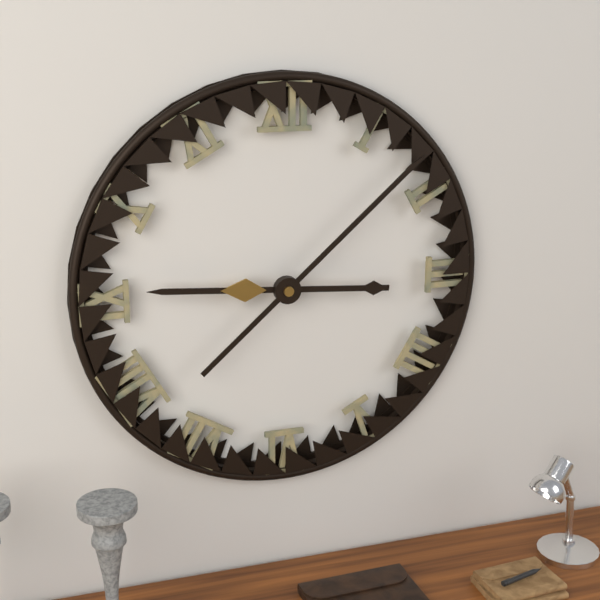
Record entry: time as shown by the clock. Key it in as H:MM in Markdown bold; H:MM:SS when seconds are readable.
**9:08**
